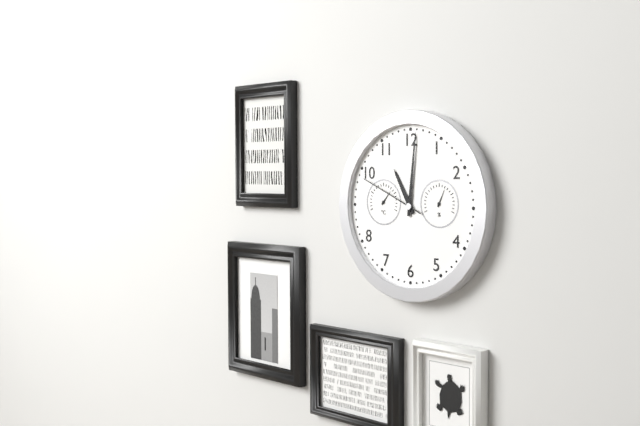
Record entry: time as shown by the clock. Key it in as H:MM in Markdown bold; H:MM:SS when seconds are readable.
**11:01:49**
